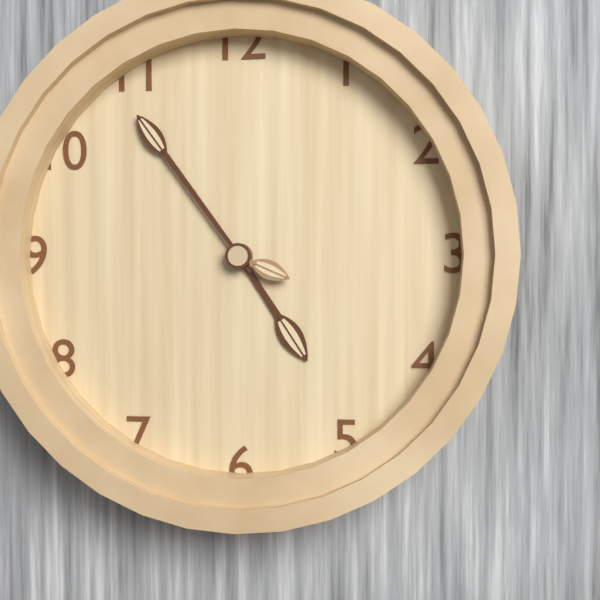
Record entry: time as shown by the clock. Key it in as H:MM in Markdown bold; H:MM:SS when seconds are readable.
**4:54:19**
